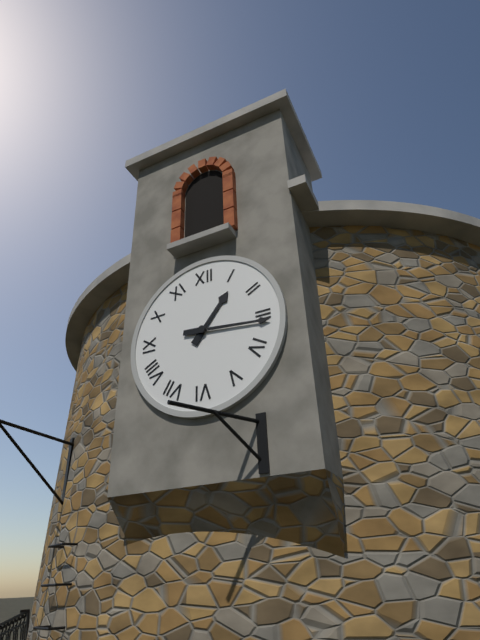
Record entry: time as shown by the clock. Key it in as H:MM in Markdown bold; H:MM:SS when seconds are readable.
**1:16**
